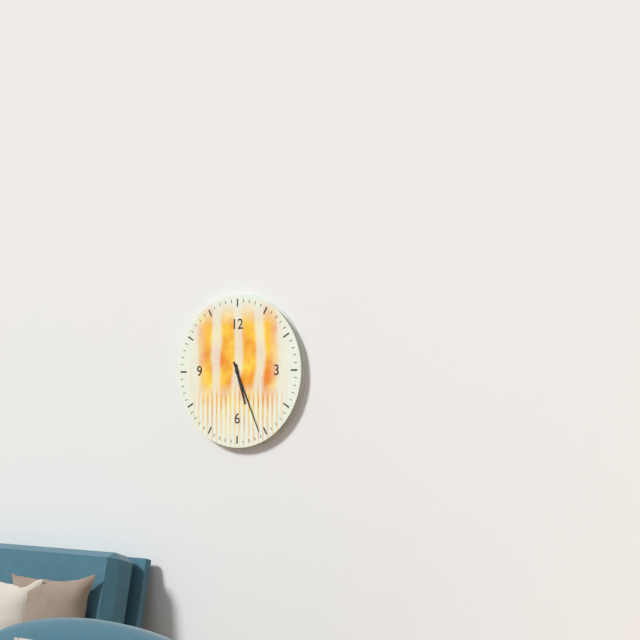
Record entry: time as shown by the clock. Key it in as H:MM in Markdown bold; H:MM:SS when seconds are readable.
**5:26**
